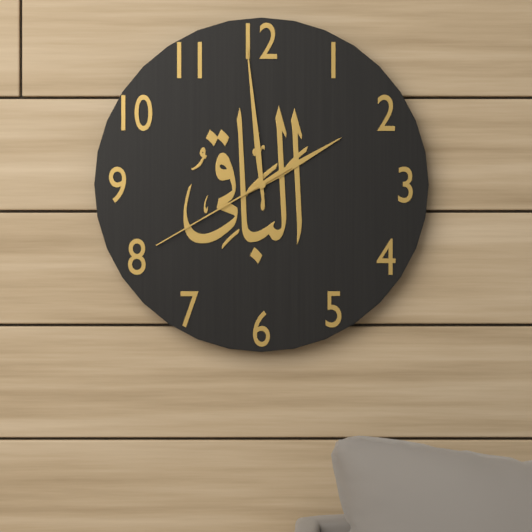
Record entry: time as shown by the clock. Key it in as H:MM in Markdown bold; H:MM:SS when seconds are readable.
**1:59:40**
